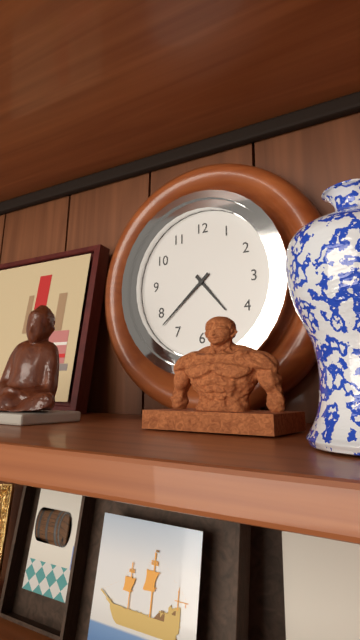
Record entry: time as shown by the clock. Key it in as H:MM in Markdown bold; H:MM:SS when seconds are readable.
**4:38**
